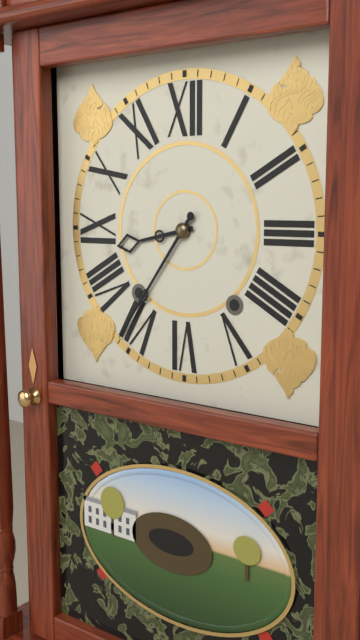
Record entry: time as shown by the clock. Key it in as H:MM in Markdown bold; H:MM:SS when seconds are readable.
**8:36**
